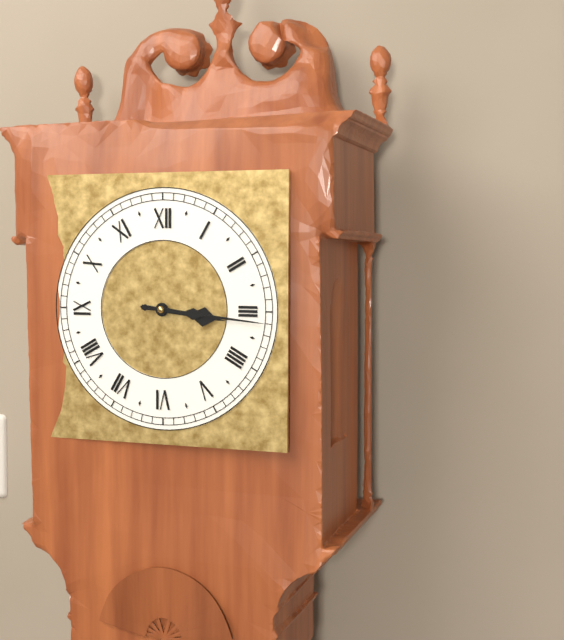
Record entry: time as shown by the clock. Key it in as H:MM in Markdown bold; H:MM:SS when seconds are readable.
**3:16**
